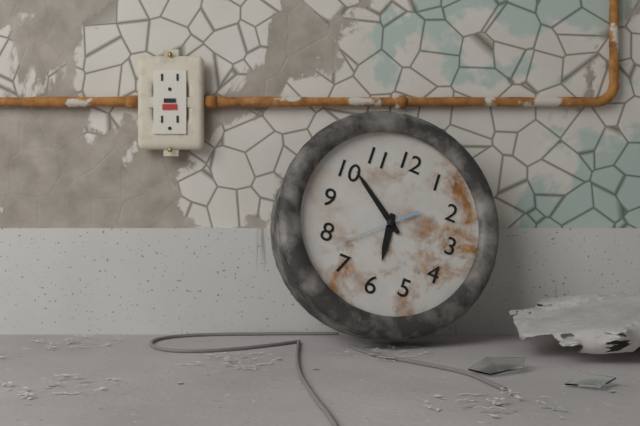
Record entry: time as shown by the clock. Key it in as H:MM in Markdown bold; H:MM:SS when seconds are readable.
**5:51:38**
